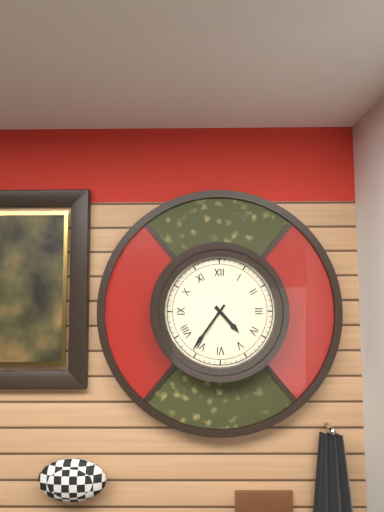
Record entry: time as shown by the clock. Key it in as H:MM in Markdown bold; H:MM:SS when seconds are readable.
**4:36**
